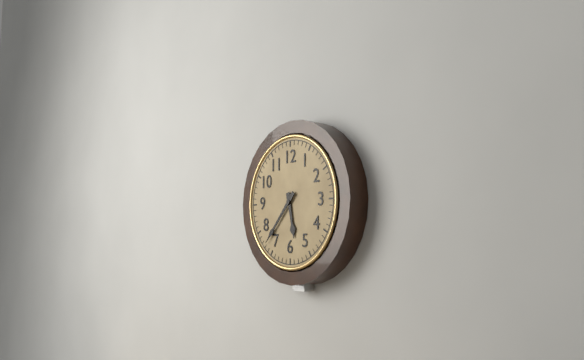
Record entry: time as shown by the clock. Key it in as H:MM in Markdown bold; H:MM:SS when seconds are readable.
**5:37**
